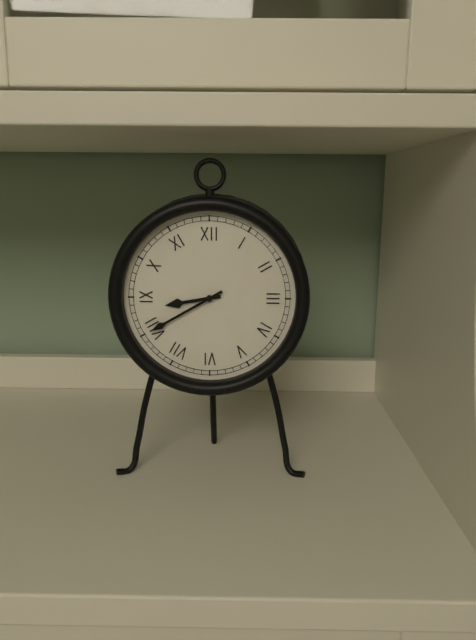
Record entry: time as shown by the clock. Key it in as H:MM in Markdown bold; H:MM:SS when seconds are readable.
**8:40**
